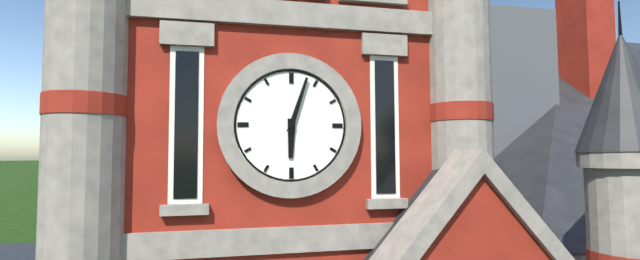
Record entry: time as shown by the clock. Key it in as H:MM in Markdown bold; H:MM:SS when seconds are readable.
**6:03**
